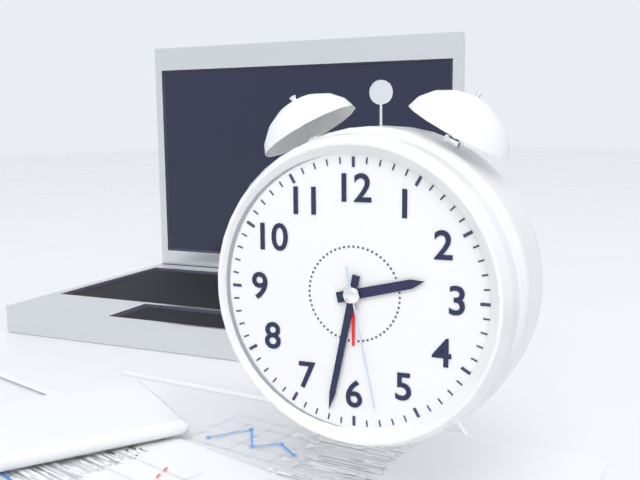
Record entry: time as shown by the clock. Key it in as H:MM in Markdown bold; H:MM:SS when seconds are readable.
**2:32:28**
